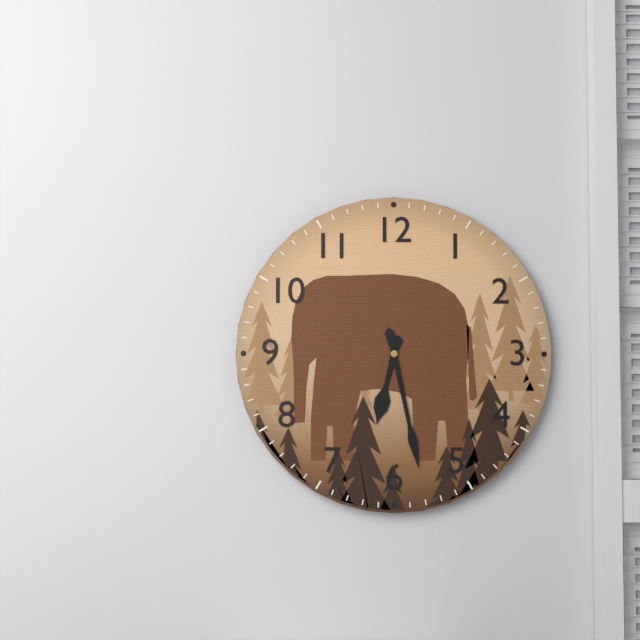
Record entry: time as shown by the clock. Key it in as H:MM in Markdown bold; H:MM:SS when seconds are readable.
**6:28**
